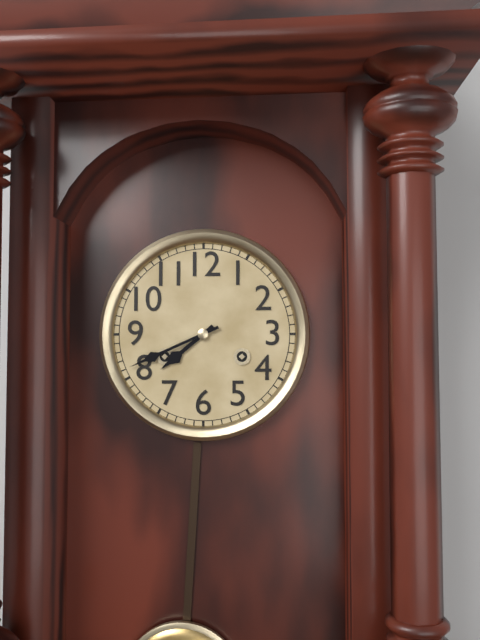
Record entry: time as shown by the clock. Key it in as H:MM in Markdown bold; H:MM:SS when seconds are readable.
**7:41**
